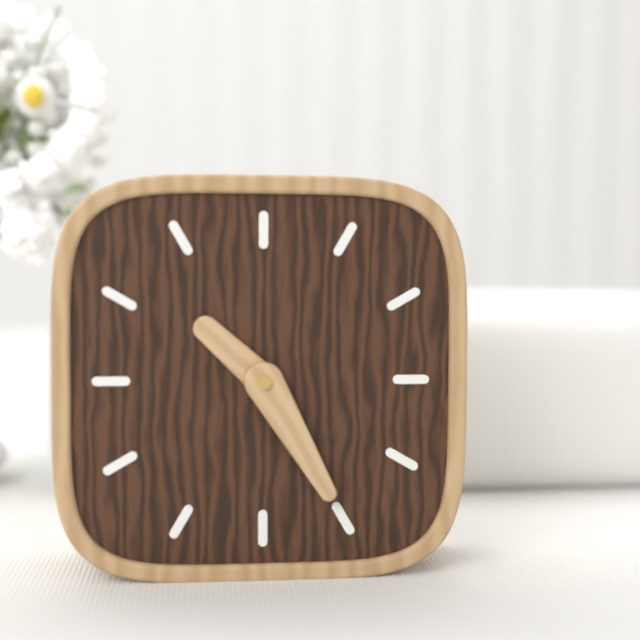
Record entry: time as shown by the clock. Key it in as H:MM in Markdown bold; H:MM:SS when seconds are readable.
**10:25**
